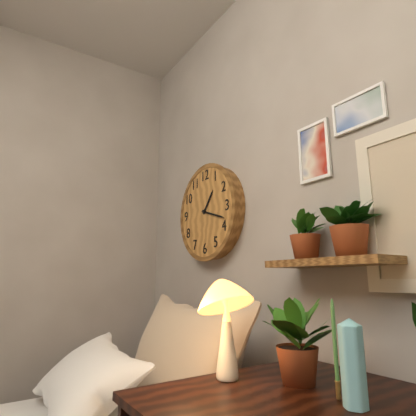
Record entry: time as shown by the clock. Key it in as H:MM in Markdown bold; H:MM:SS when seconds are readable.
**1:18**
